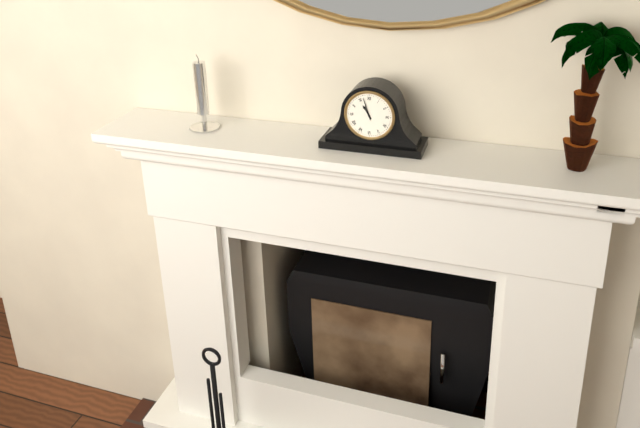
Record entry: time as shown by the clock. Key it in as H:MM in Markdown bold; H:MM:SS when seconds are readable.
**10:57**
